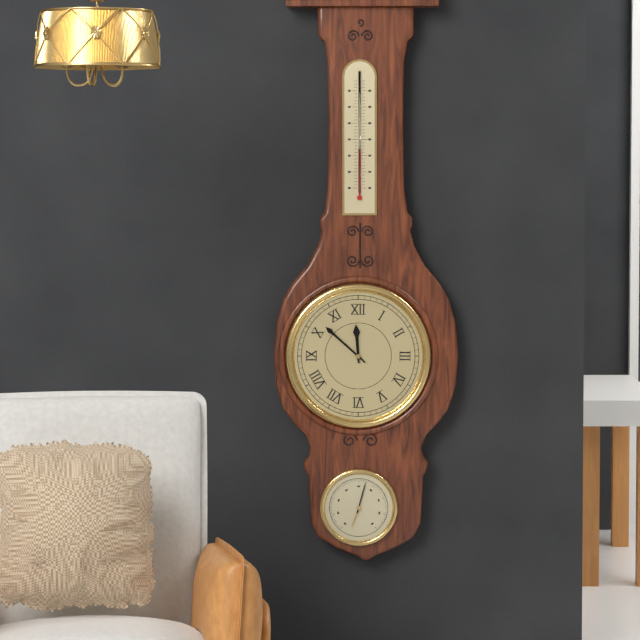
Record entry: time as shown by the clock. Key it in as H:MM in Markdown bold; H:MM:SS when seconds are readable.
**11:52**
